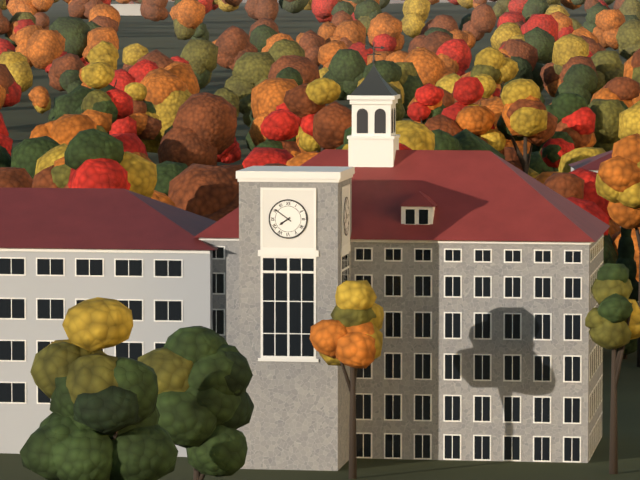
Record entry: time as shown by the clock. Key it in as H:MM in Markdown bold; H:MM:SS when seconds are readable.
**7:51**
